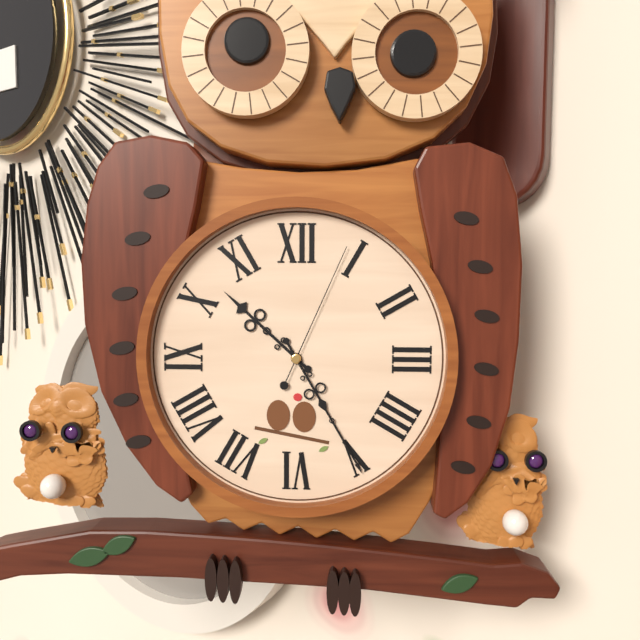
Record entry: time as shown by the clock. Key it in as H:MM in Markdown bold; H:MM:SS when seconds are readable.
**10:25:04**
